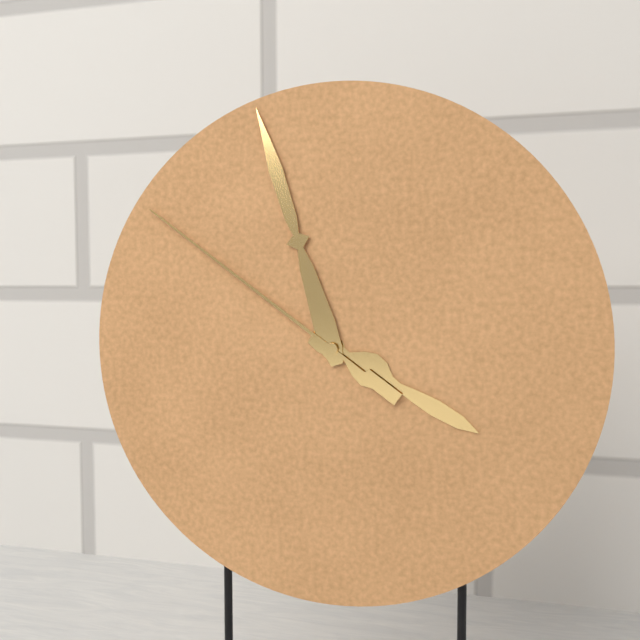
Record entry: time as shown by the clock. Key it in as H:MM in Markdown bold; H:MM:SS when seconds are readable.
**3:57:51**
